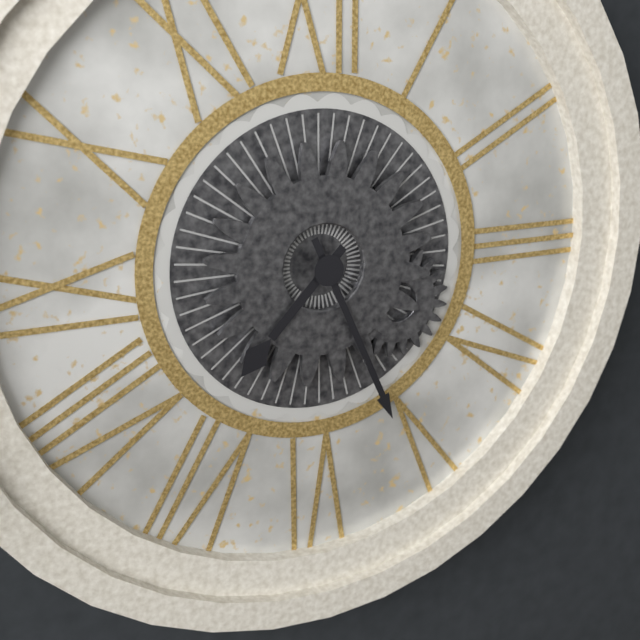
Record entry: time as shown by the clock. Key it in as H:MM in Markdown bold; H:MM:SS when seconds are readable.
**7:26**
